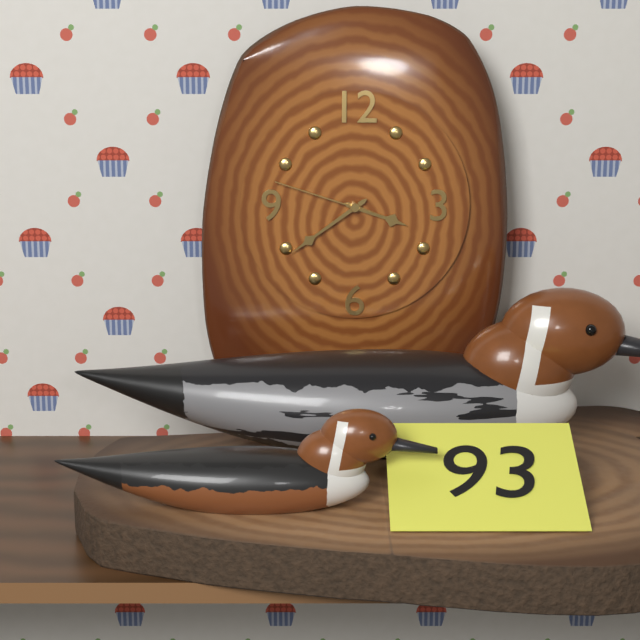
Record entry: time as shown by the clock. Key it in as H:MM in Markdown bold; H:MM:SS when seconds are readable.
**3:39:48**
